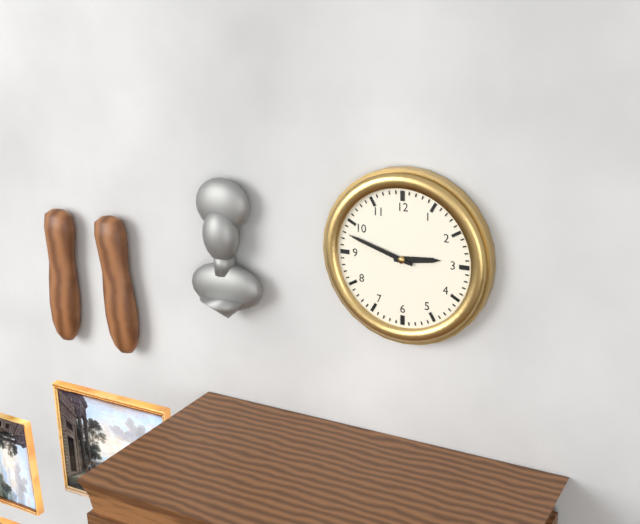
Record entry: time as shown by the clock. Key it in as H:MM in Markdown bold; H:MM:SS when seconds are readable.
**2:48**
